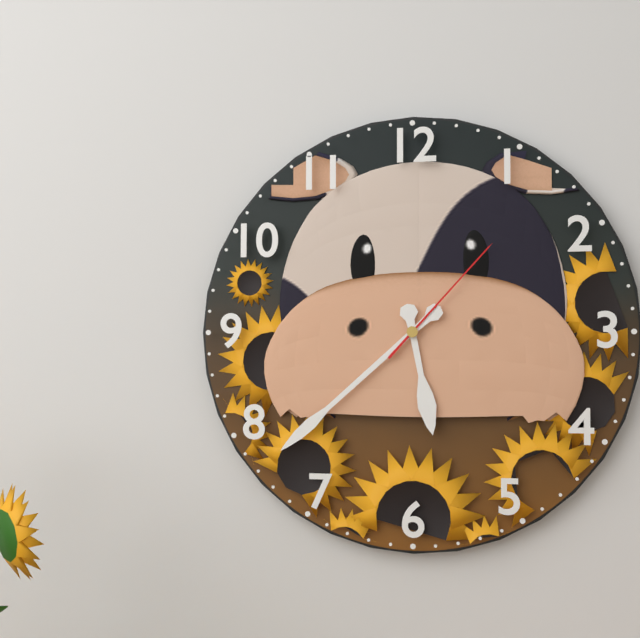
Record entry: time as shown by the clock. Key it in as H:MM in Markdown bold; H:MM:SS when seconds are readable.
**5:38:07**
